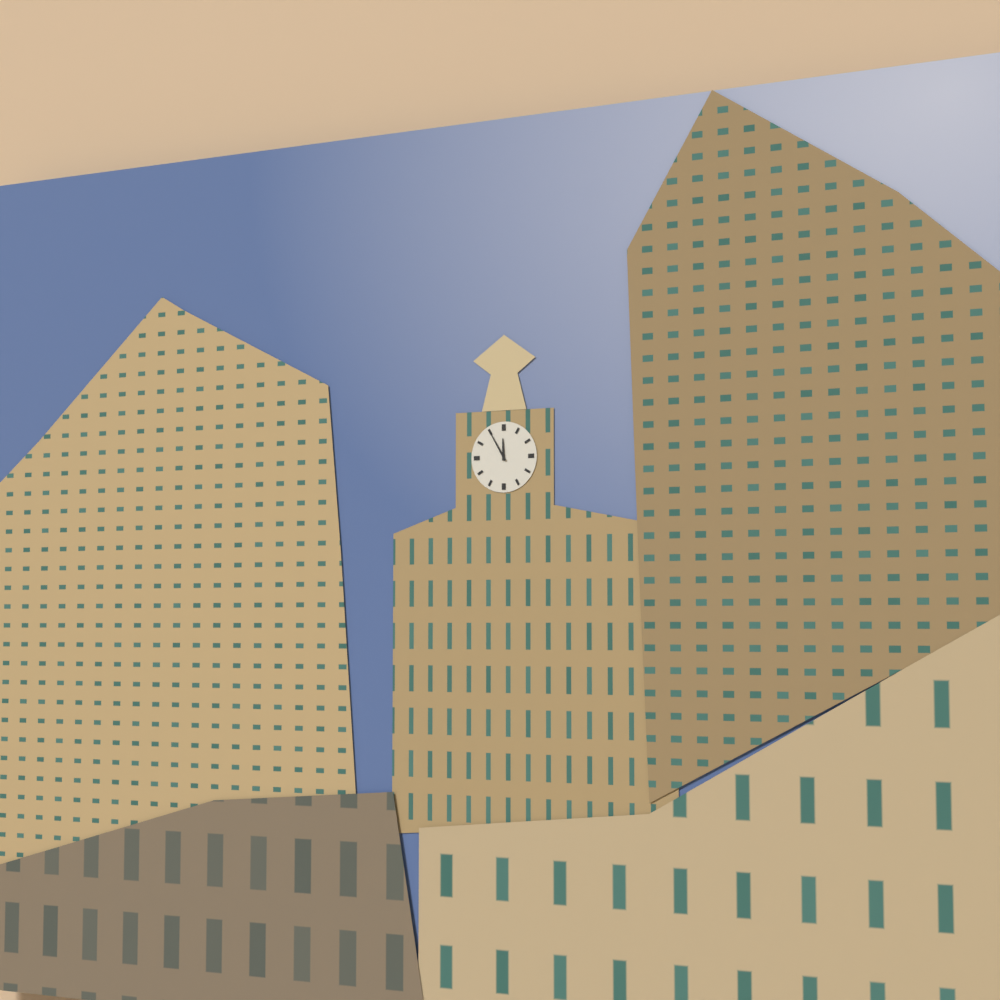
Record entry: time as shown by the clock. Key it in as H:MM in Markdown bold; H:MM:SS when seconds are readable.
**11:55**
